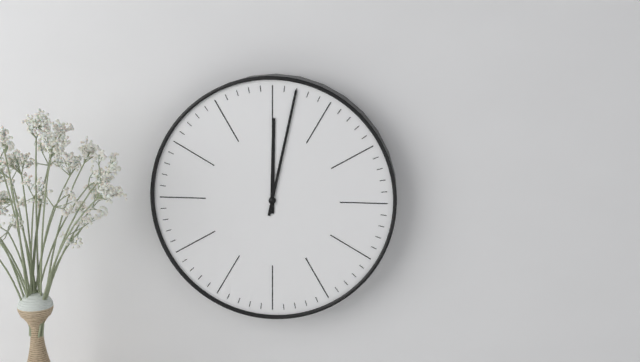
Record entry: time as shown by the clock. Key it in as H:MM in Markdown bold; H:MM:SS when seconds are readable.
**12:02**
